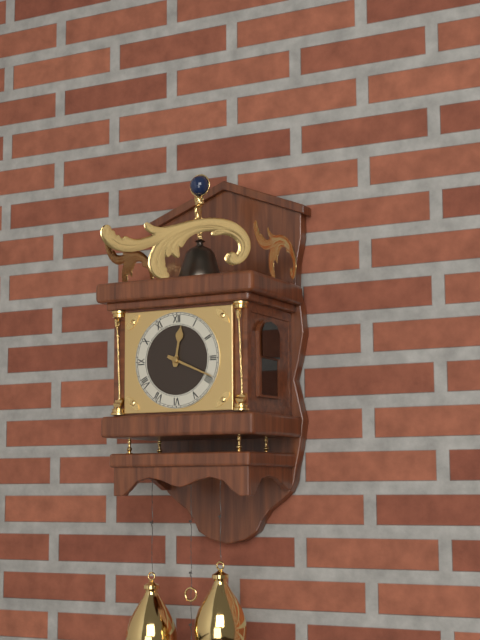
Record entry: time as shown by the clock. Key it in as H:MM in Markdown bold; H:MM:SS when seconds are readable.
**12:19**
